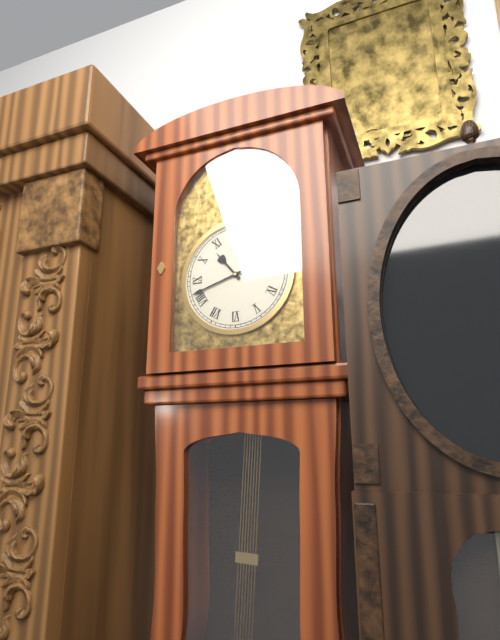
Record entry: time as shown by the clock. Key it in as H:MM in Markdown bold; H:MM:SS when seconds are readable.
**10:42**
